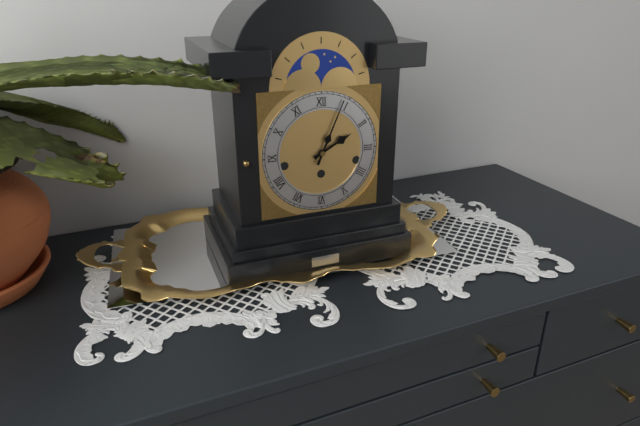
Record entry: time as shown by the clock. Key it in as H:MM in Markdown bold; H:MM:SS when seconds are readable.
**2:04**
